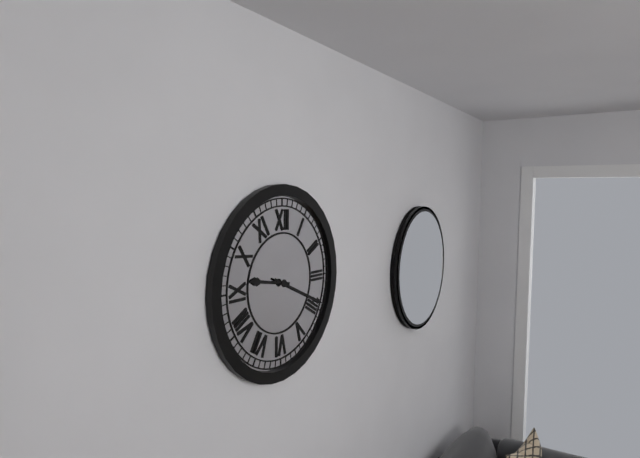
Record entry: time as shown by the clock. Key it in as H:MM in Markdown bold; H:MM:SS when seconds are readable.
**9:19**
